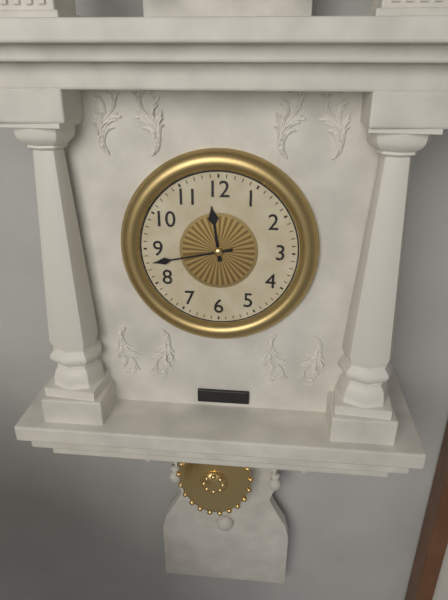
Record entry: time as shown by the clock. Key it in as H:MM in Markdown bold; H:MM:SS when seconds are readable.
**11:43**
